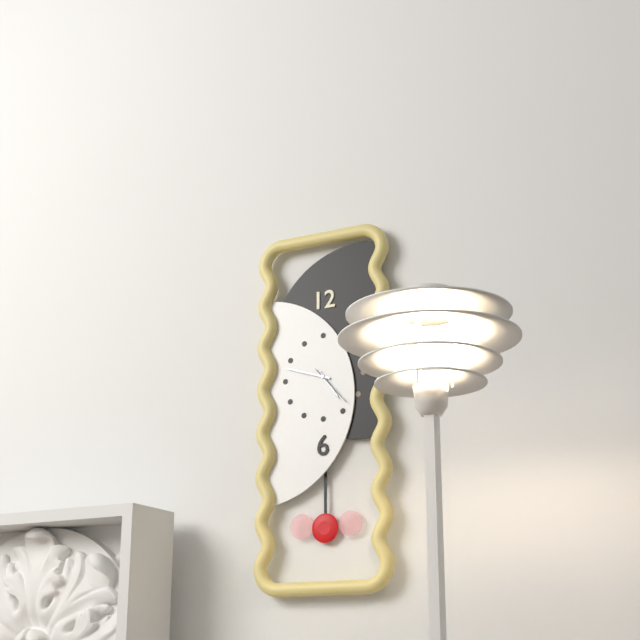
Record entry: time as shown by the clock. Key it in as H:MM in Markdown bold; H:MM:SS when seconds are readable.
**4:48**
